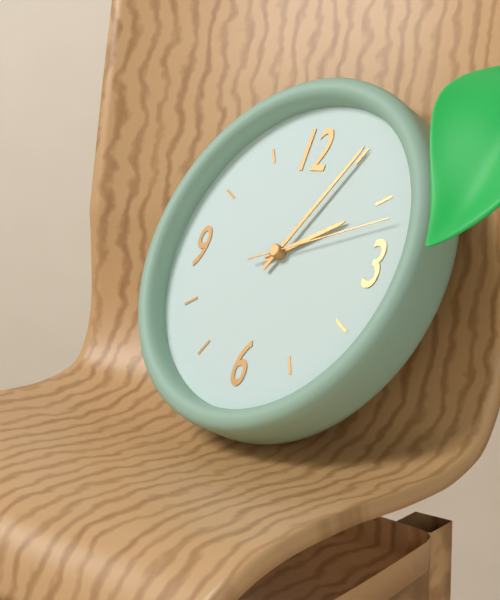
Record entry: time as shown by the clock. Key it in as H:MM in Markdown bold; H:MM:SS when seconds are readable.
**2:05:12**
